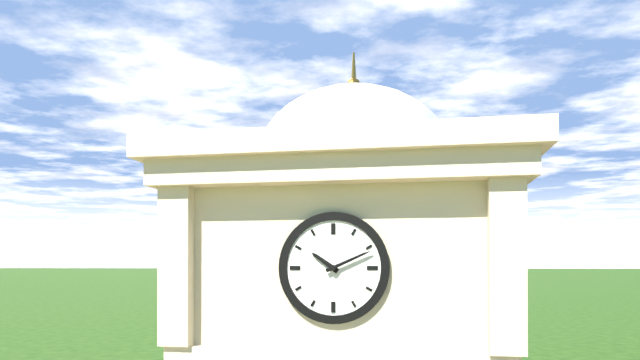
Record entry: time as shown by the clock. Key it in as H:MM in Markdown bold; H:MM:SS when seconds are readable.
**10:11**
